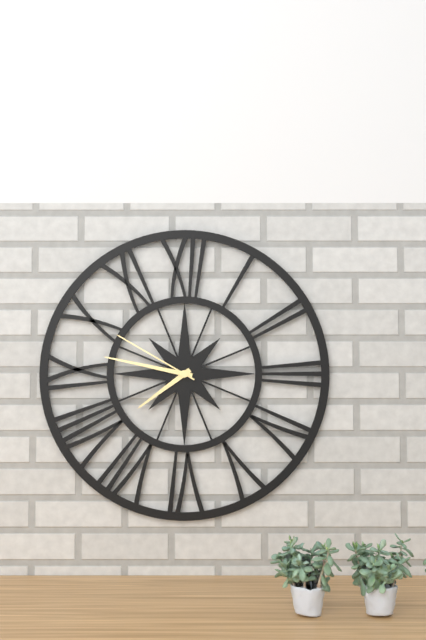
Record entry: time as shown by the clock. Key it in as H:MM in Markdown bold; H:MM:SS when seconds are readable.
**7:47:50**
